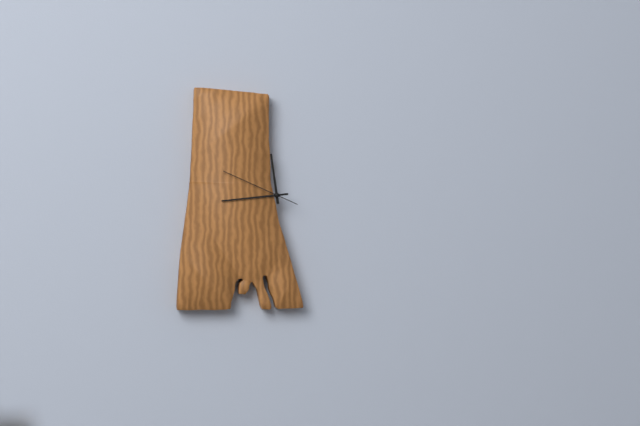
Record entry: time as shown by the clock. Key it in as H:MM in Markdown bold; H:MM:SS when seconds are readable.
**11:44:49**
